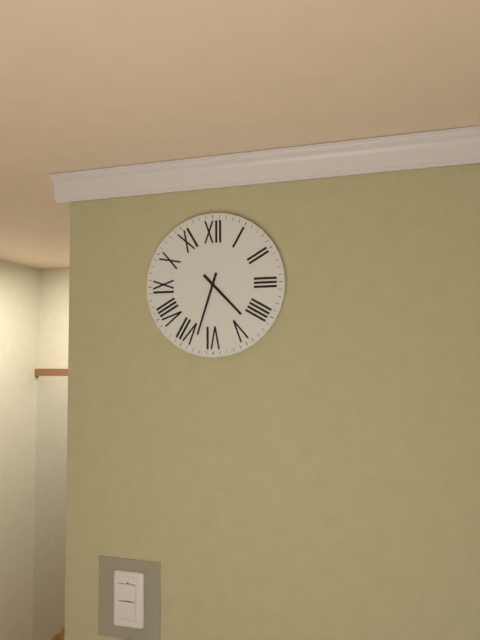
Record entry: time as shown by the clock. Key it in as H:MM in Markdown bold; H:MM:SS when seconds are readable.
**4:33**
